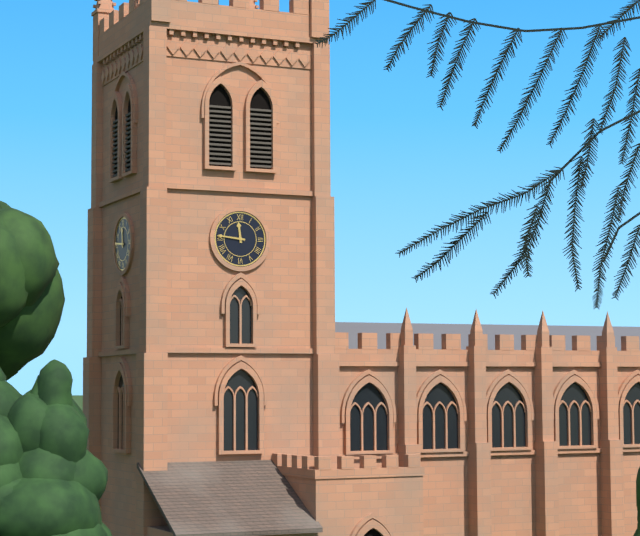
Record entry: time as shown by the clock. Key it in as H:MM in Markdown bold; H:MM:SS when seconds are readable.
**11:46**
